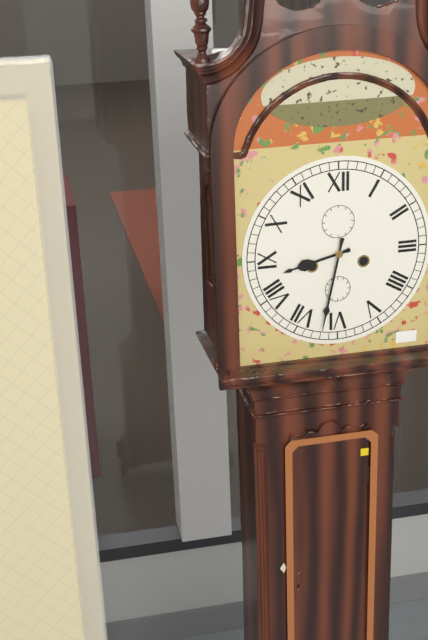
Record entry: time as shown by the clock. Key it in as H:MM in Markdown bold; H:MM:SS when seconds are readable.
**8:32**
